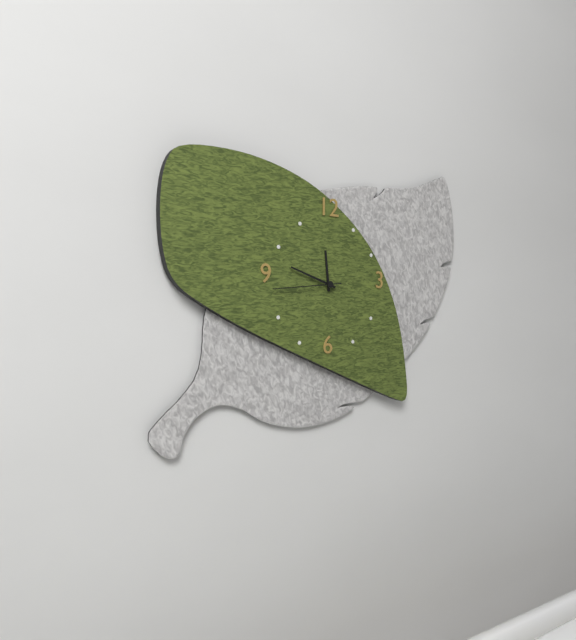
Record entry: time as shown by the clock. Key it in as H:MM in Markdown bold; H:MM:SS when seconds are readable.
**11:48:44**
